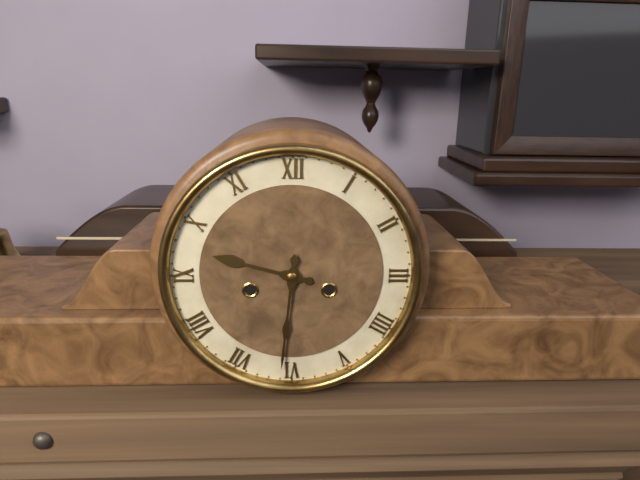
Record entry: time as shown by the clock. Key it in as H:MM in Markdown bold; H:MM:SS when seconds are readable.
**9:31**
